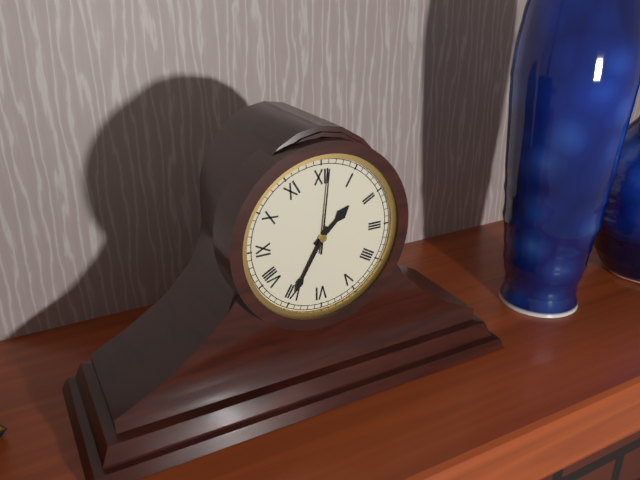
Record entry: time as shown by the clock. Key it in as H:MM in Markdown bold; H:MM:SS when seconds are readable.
**1:35:01**
